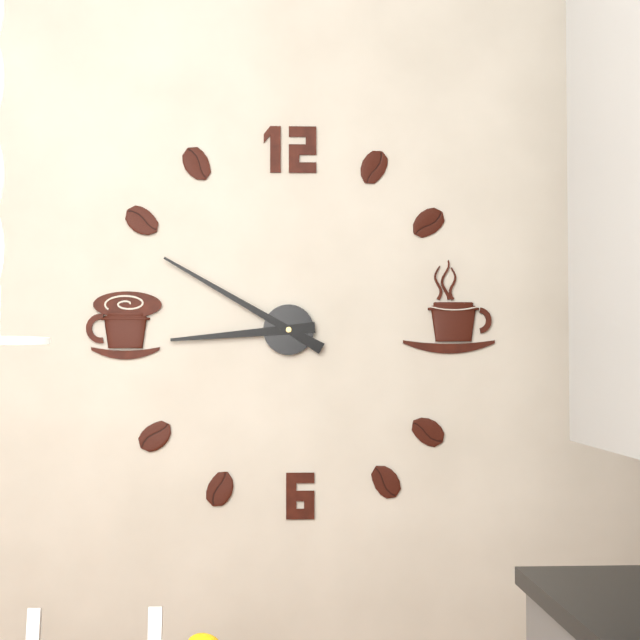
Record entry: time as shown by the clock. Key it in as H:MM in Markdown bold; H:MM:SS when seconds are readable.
**8:50**
